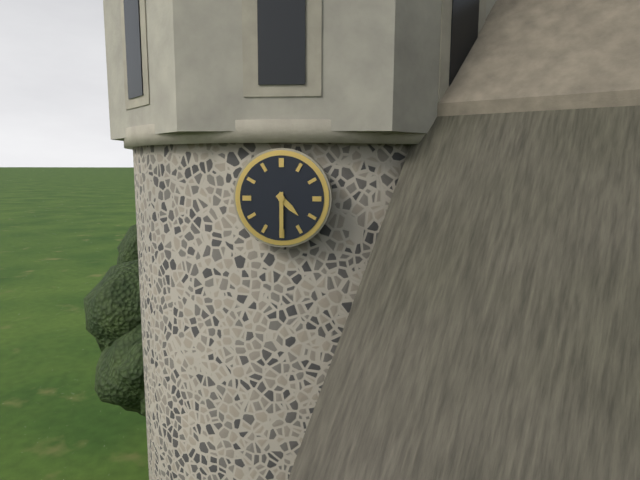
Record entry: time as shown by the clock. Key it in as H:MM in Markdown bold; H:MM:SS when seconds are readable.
**4:30**
